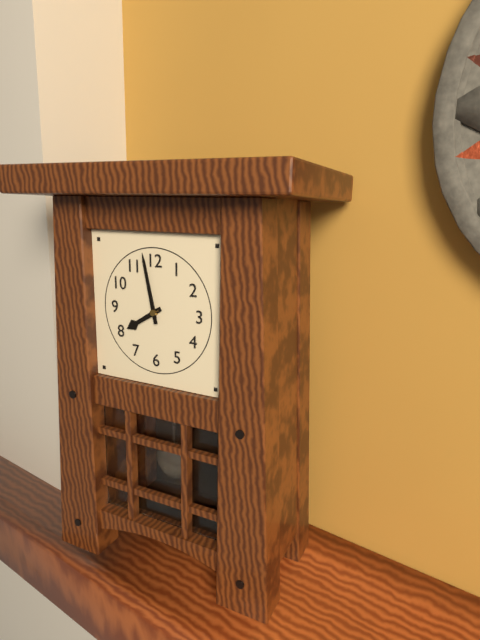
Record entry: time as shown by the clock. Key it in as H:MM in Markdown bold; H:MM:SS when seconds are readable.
**7:58**
